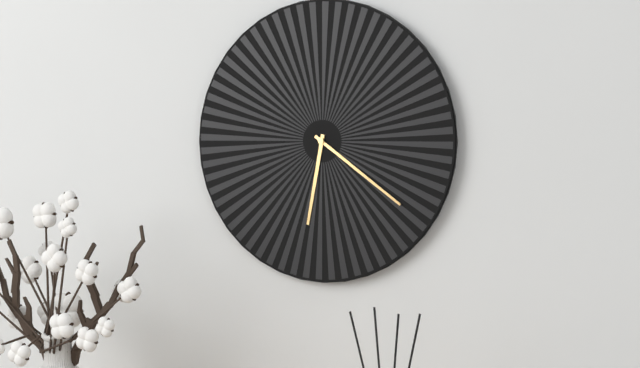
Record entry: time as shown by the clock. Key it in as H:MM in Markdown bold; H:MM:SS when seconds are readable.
**6:21**
